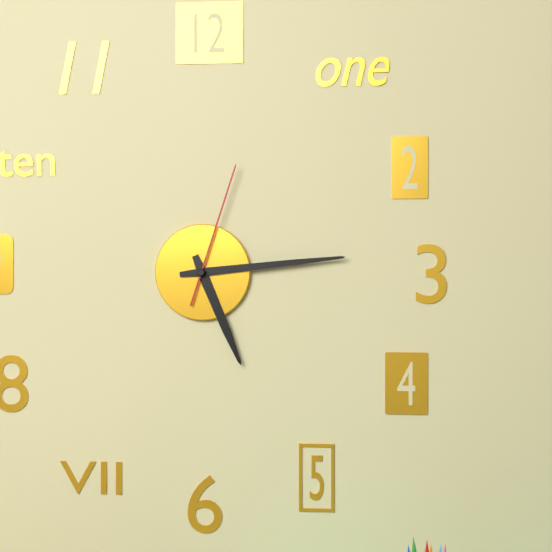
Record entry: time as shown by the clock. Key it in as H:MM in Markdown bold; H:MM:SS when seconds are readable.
**5:14:03**
